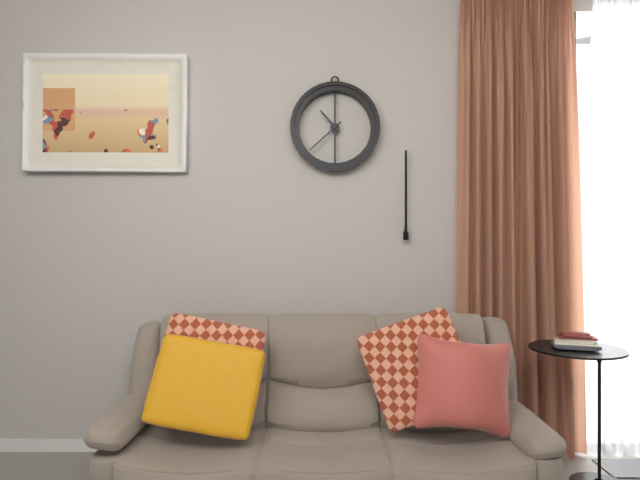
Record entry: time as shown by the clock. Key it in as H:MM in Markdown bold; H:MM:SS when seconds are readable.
**10:38**
